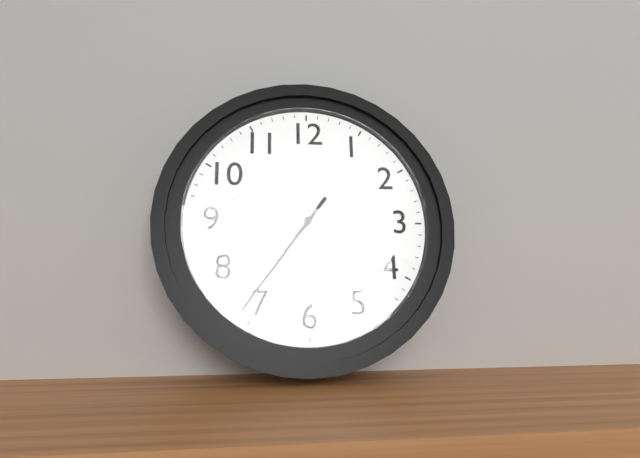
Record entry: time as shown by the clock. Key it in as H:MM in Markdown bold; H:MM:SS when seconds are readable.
**9:36**
